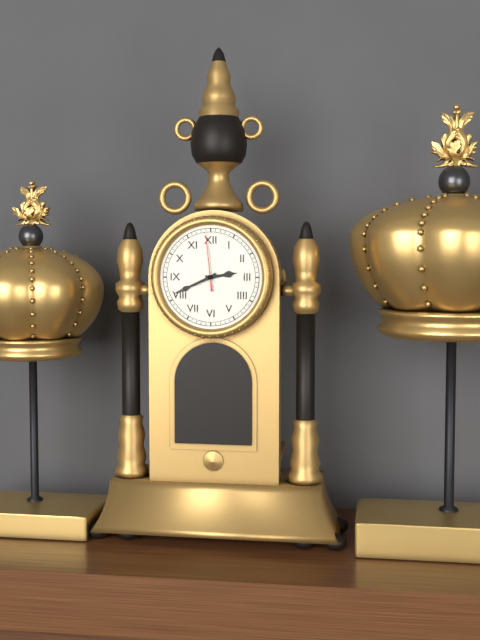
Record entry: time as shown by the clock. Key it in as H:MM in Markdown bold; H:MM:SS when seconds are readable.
**2:41:59**
